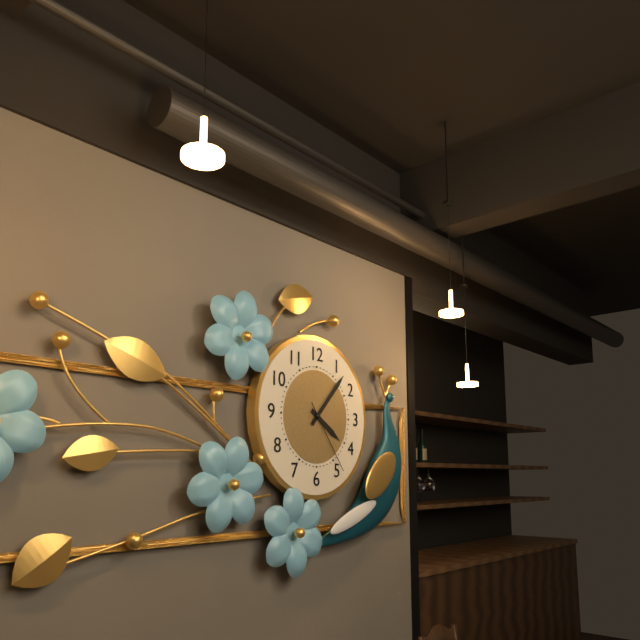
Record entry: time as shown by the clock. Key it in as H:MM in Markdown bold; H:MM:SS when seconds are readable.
**4:07:24**
